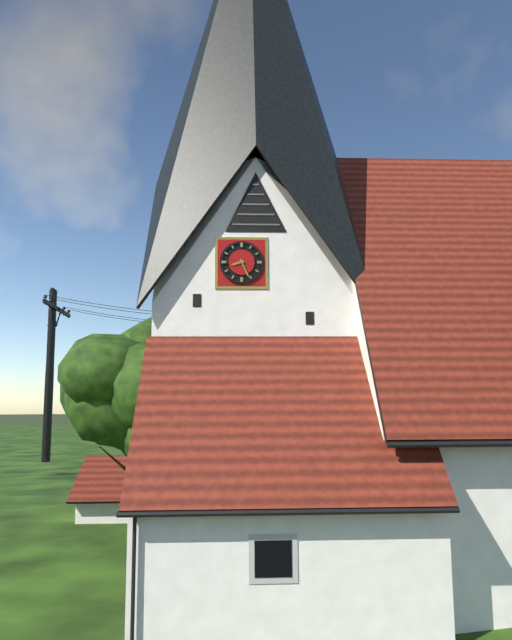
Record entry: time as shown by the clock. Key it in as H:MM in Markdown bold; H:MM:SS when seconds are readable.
**8:26**
